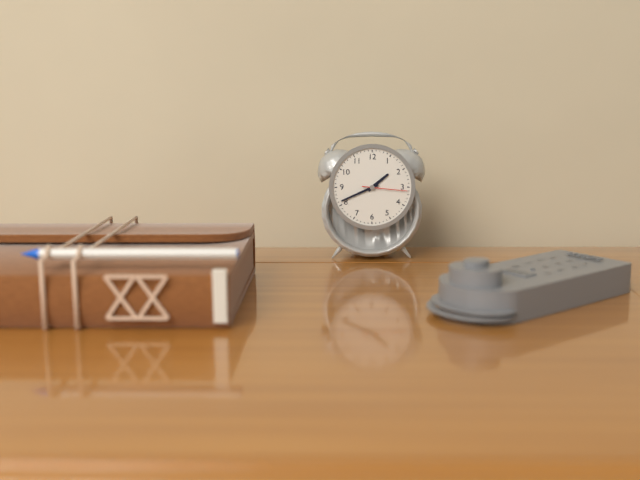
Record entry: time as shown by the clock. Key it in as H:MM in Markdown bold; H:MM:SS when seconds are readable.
**1:41**
